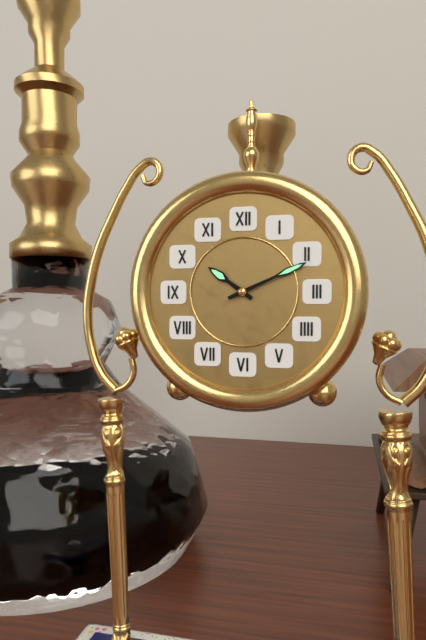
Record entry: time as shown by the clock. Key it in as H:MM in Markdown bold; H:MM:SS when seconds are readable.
**10:11**
